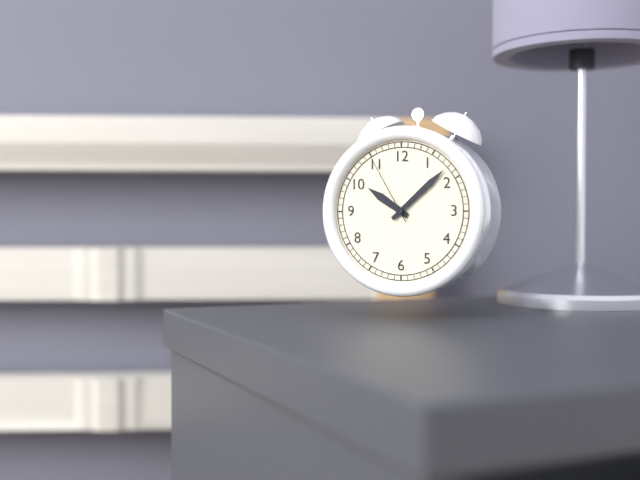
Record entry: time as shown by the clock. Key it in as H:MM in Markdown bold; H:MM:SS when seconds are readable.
**10:08:55**
